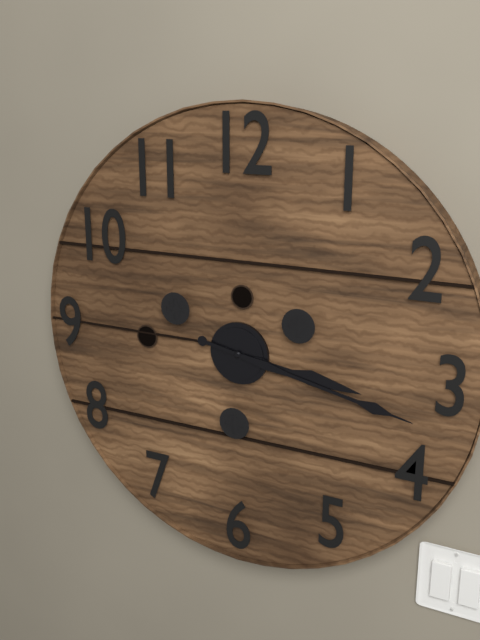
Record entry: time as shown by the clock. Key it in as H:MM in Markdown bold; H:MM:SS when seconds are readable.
**3:17**
